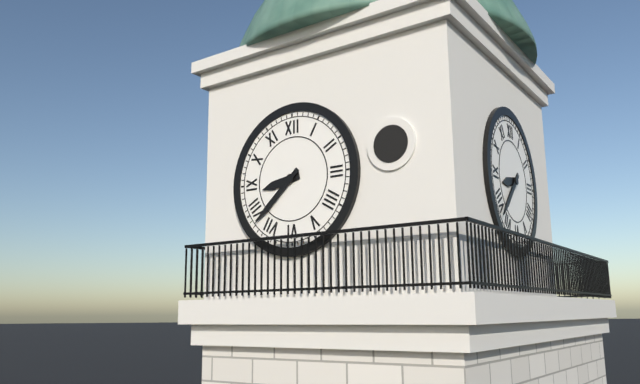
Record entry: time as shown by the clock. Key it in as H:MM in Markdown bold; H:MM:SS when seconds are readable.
**8:38**
